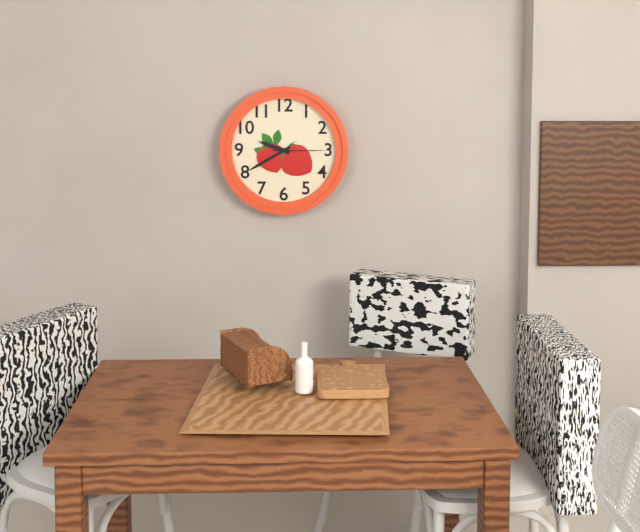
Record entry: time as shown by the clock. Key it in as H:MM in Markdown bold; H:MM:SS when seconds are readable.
**9:40:15**
